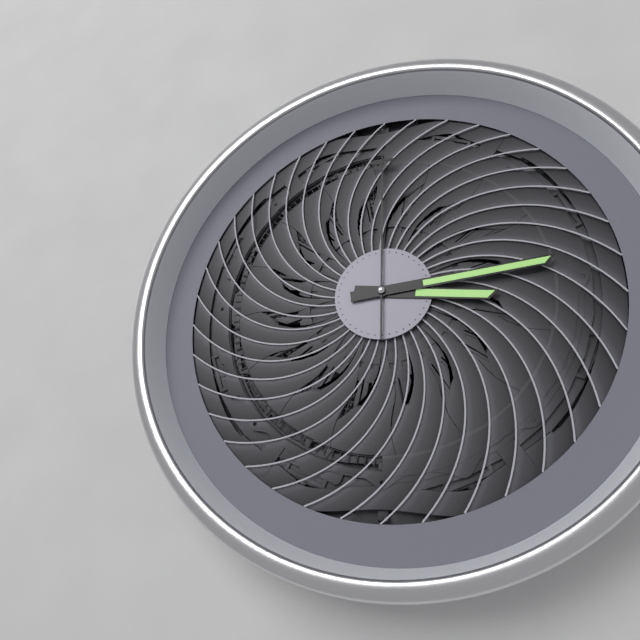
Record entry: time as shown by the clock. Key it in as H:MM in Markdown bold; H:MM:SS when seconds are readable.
**3:14:00**
